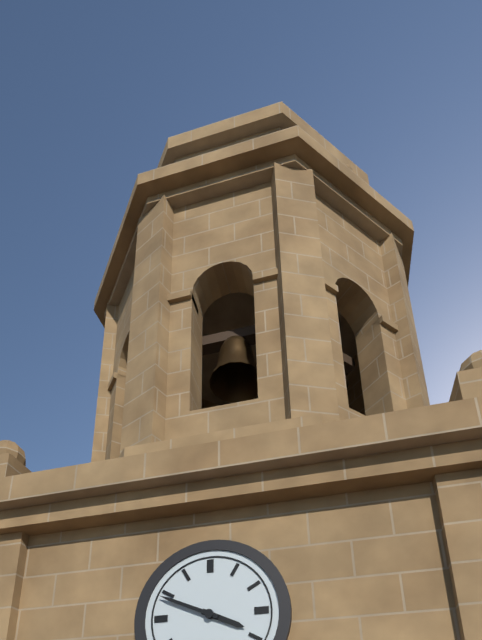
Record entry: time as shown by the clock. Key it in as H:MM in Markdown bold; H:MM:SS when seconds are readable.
**3:49**
